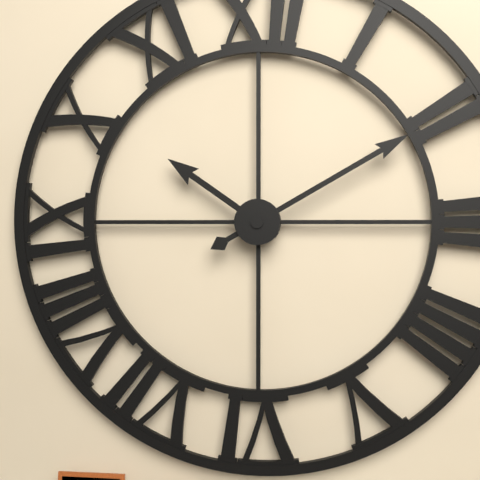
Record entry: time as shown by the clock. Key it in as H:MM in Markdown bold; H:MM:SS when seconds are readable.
**10:10**
